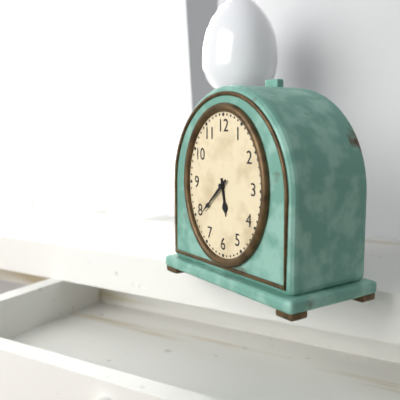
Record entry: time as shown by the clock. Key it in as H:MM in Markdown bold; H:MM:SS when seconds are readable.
**5:38**
